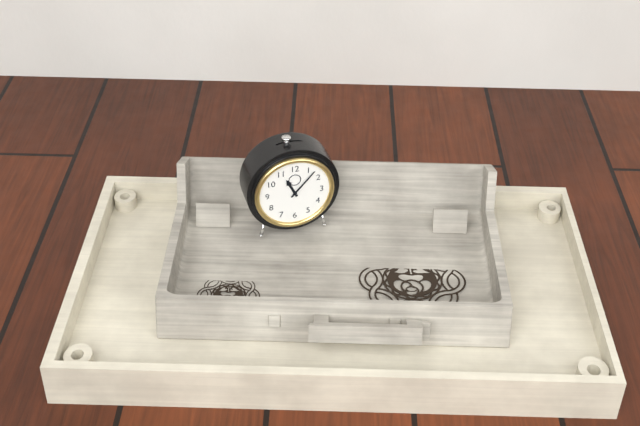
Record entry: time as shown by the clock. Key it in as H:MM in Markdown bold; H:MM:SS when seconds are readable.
**11:07**
